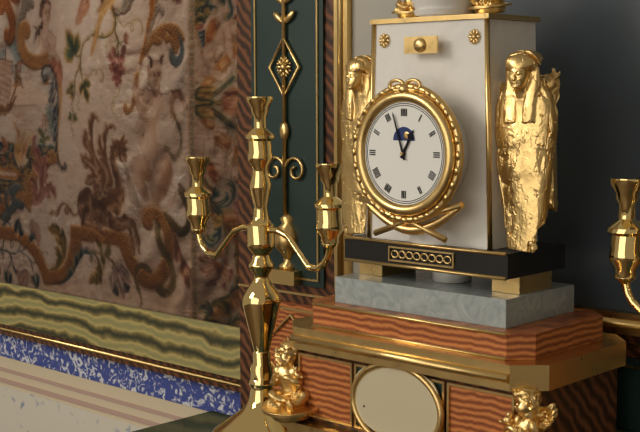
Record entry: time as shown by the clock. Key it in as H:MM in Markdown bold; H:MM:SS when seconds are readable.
**12:57**
